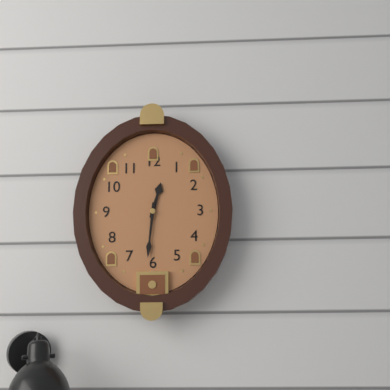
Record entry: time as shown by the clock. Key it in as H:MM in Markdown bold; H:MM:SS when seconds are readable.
**12:31**
